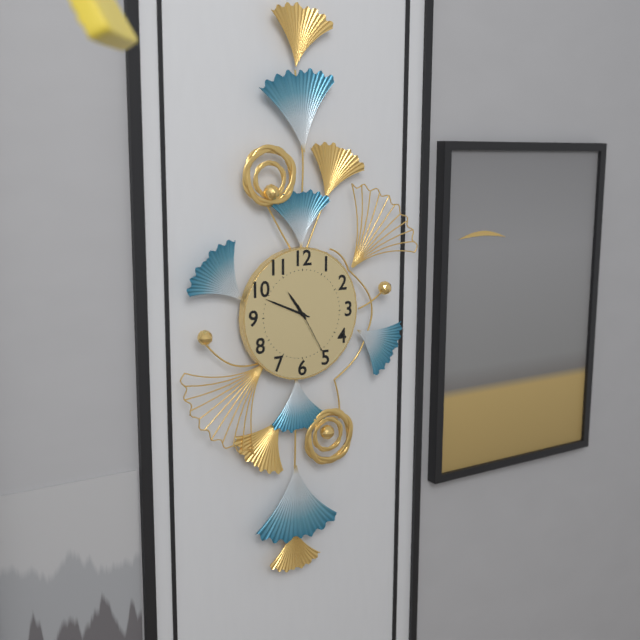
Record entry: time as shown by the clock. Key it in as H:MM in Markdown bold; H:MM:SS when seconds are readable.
**10:49:25**
